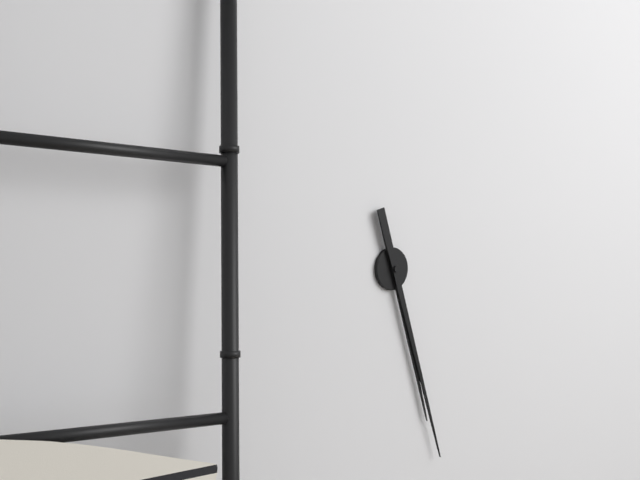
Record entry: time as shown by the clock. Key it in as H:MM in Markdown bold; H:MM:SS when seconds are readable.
**5:27**
